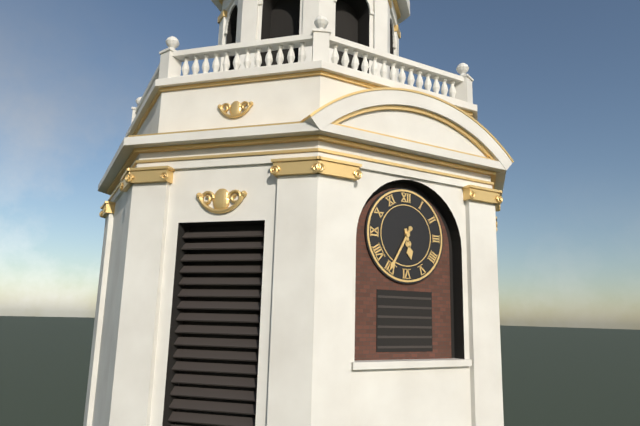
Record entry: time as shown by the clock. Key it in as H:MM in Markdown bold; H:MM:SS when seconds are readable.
**5:35**
